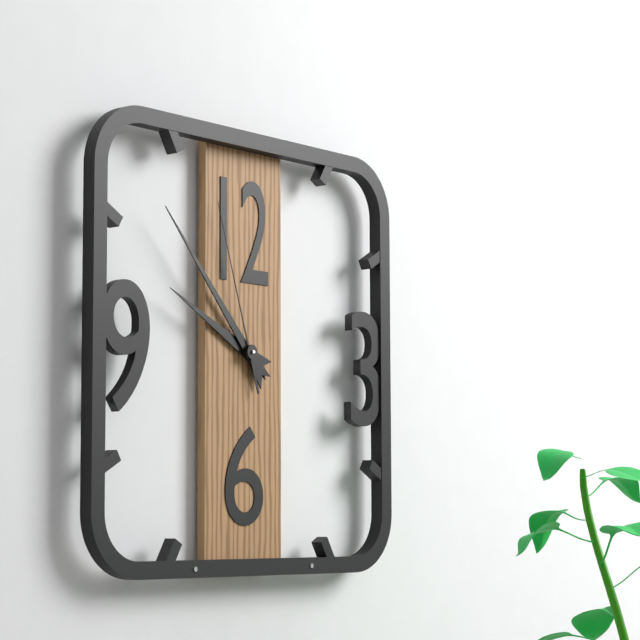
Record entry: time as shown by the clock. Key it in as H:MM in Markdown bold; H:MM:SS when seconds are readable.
**9:53:57**
